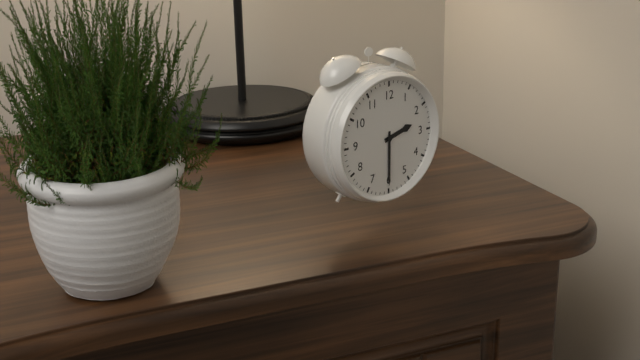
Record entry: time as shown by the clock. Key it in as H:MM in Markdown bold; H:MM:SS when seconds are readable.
**2:30**
